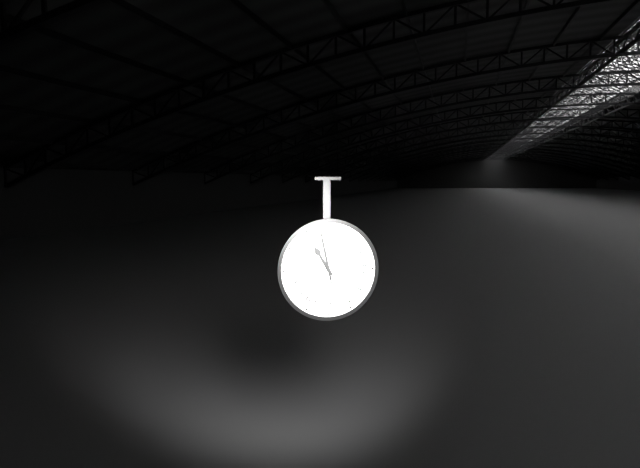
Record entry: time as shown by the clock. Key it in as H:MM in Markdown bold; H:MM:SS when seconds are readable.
**10:58**
